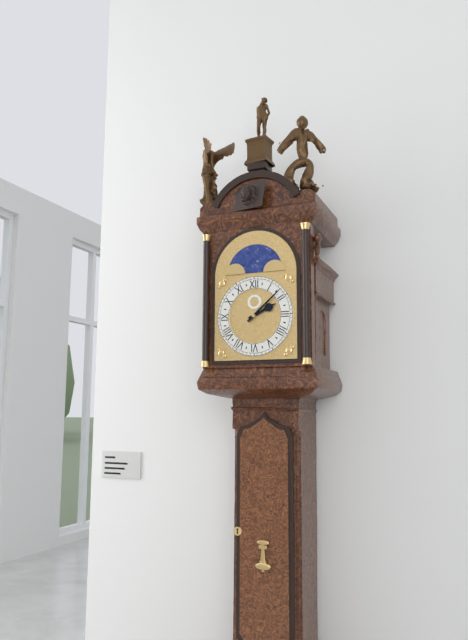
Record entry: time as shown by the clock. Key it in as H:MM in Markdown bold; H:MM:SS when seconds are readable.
**2:08**
